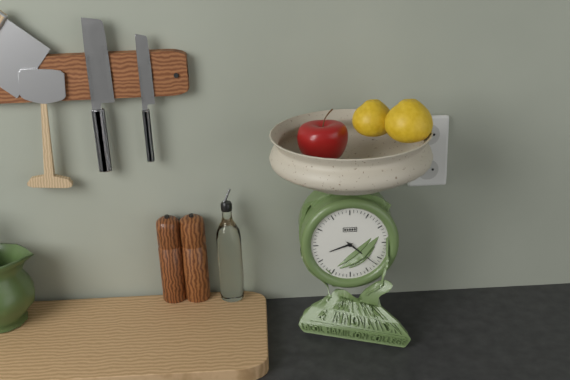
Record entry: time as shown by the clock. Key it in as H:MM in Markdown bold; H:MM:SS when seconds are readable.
**8:22**
